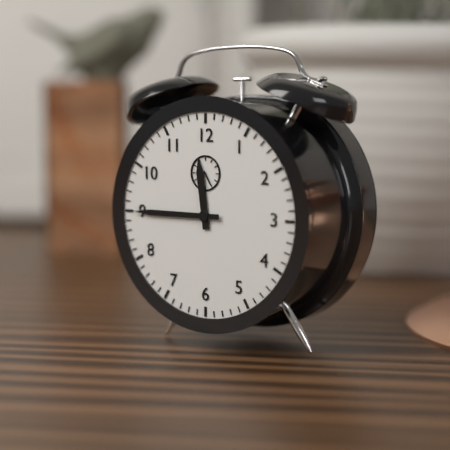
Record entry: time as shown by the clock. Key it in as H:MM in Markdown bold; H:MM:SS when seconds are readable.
**11:45**
